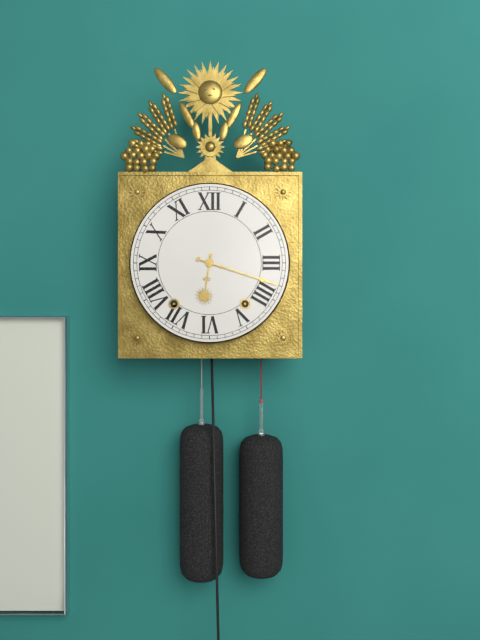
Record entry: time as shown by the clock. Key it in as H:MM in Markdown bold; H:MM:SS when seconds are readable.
**6:18**
